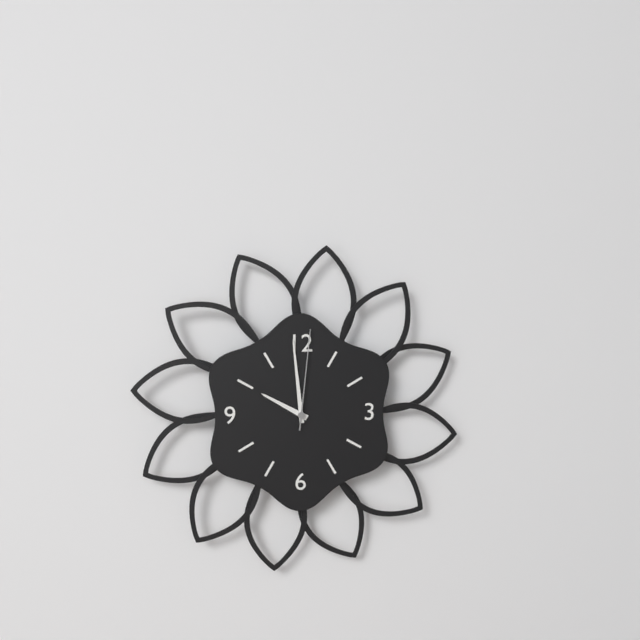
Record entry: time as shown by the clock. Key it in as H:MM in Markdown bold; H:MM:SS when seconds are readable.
**9:59:01**
